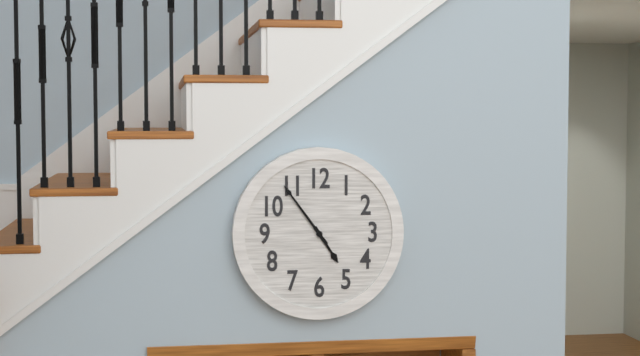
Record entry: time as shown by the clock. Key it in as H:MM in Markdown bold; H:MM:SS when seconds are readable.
**4:54**
